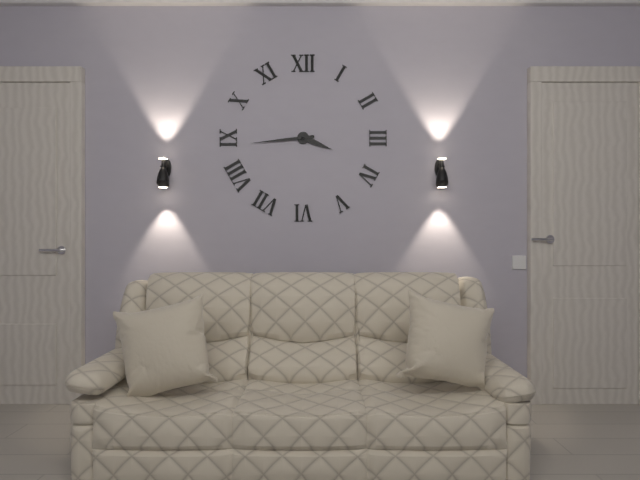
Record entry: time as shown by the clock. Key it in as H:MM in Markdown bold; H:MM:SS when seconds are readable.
**3:44**
